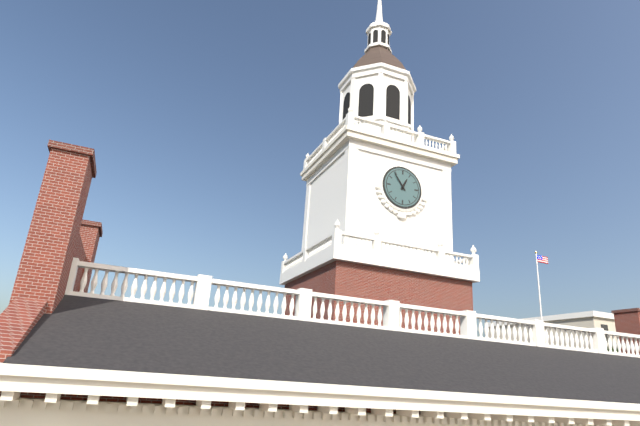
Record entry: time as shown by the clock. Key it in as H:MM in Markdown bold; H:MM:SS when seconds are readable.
**12:54**
